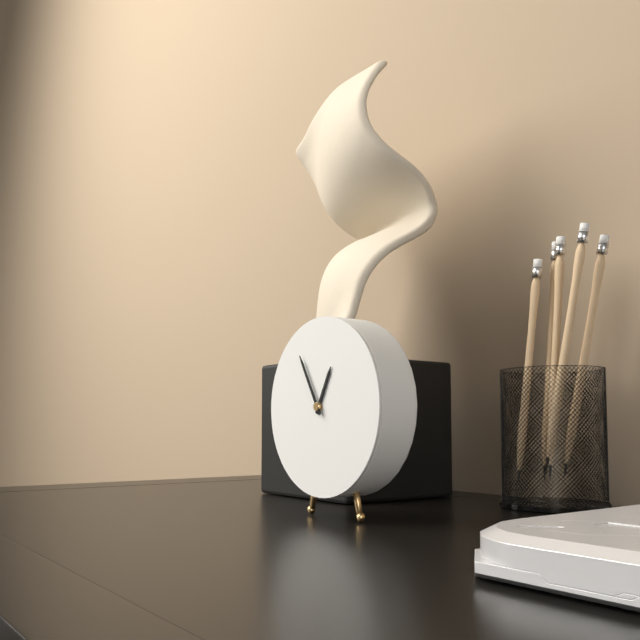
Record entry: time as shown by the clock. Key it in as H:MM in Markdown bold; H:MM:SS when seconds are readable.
**12:55**
